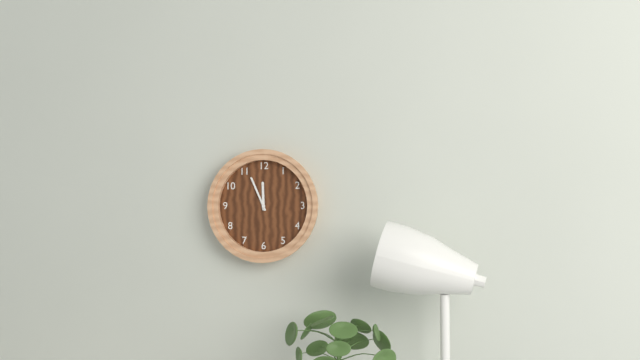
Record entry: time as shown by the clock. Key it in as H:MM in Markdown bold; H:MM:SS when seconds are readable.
**11:56**
